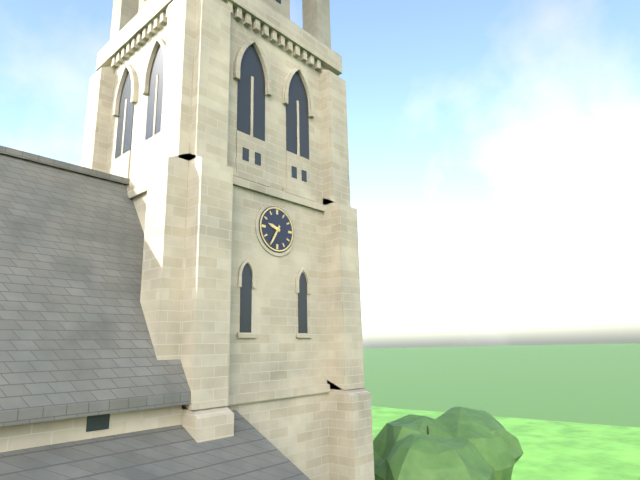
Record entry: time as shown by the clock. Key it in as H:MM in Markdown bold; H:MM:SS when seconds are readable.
**9:35**
